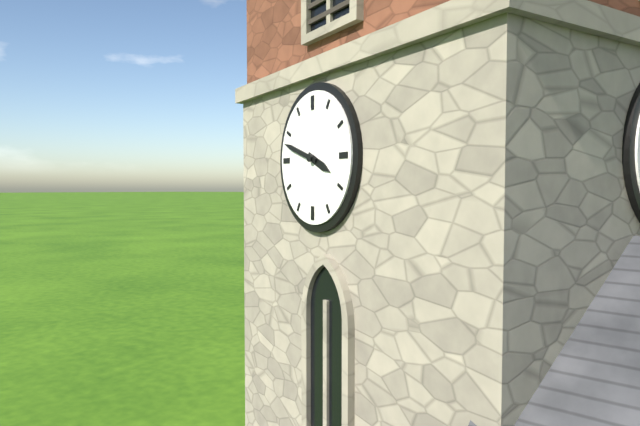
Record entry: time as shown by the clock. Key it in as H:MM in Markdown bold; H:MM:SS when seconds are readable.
**3:48**
